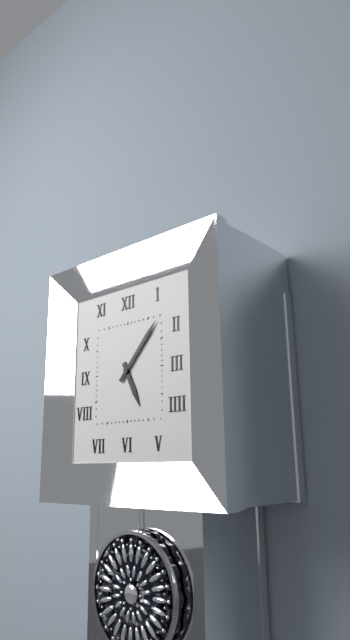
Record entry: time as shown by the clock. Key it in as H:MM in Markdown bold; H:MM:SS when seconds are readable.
**5:07**
